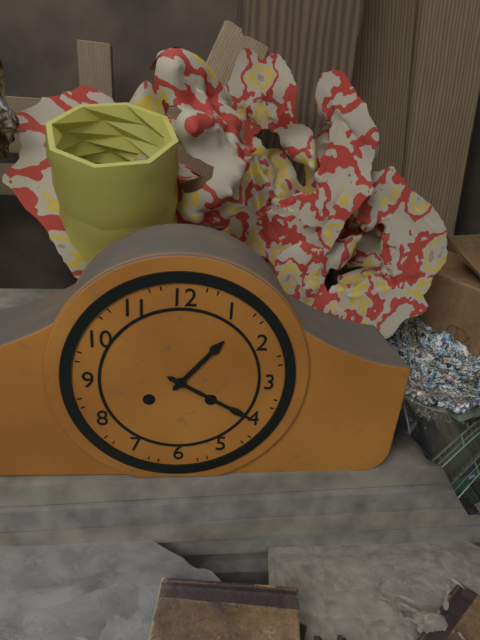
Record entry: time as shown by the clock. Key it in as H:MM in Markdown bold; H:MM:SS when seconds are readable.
**1:20**
